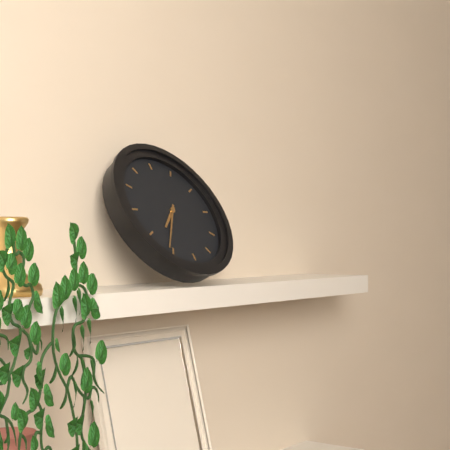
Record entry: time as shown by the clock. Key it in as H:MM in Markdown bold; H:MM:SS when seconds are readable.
**7:36**
